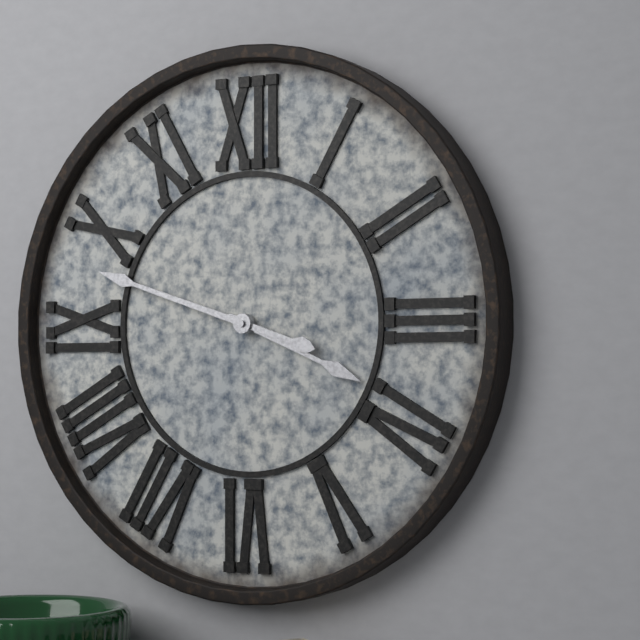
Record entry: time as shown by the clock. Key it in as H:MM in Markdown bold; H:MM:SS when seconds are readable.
**3:48**
